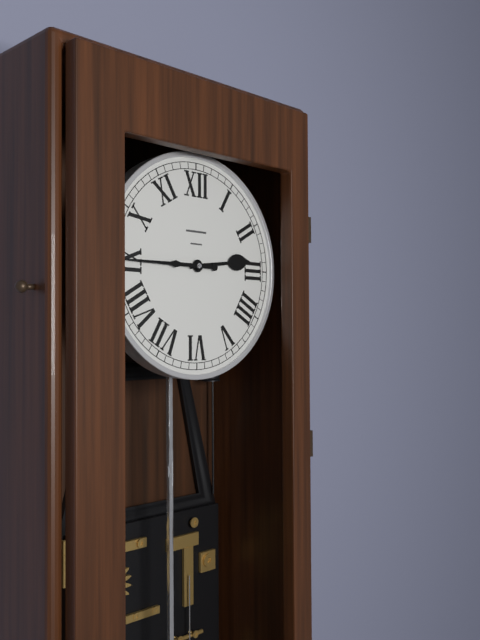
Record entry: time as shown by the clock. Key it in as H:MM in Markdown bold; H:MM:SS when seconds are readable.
**2:45**
